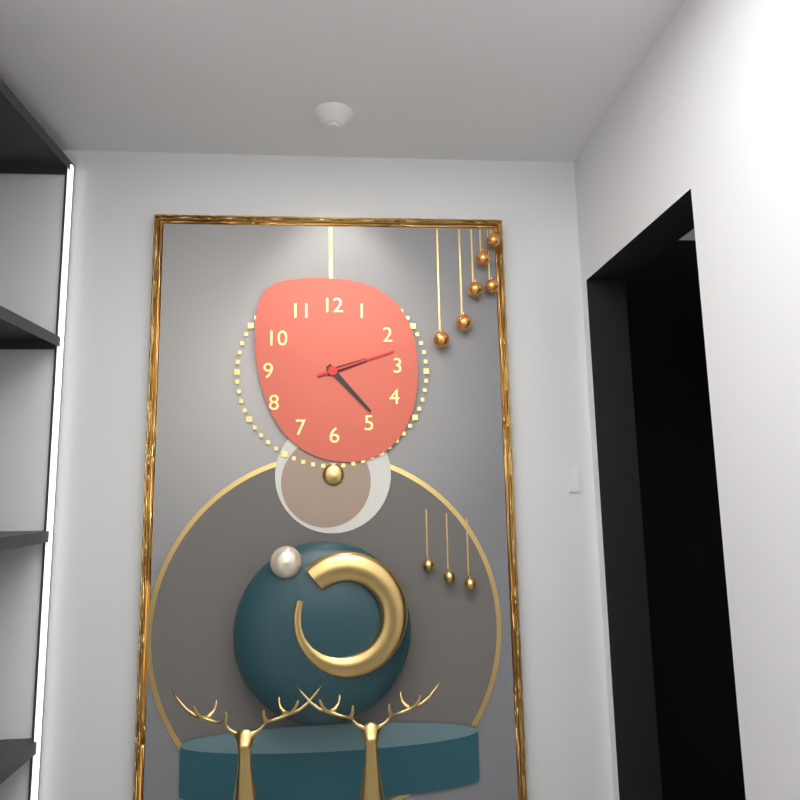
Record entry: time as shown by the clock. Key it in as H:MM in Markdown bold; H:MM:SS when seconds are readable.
**2:23:12**
